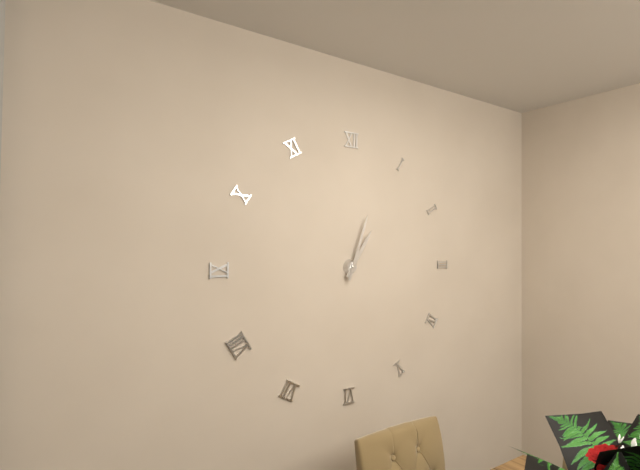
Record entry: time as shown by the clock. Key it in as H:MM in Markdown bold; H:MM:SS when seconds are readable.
**1:03**
